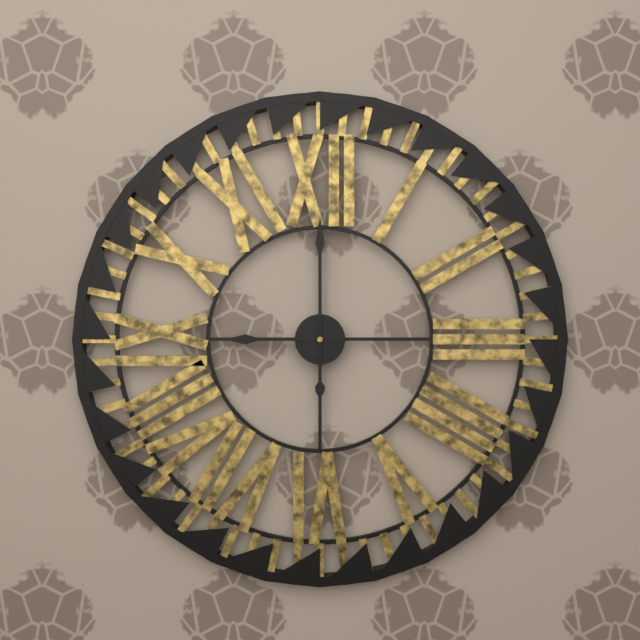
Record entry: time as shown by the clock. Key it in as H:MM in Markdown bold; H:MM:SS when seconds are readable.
**9:00**
